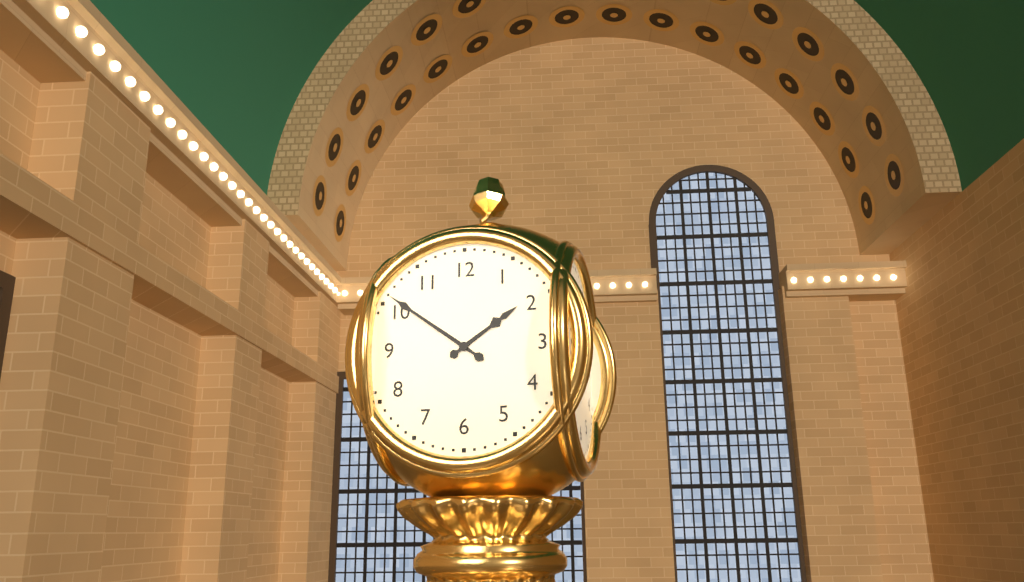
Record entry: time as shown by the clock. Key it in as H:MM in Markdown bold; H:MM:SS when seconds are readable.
**1:51**
